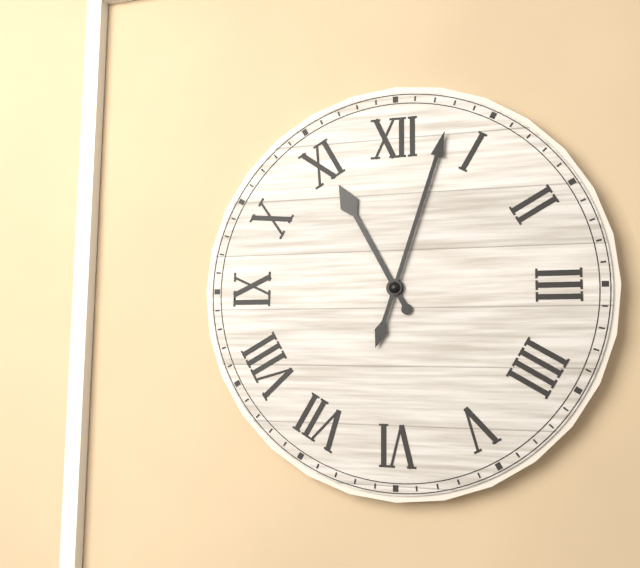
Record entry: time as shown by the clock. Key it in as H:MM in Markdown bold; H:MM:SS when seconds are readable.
**11:03**
